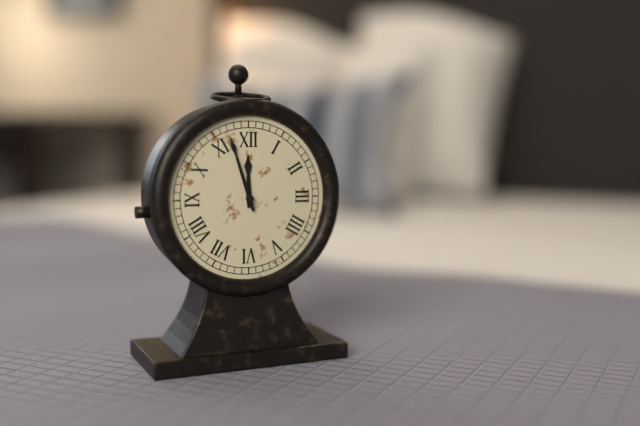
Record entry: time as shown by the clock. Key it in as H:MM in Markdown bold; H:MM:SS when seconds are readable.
**11:57**
